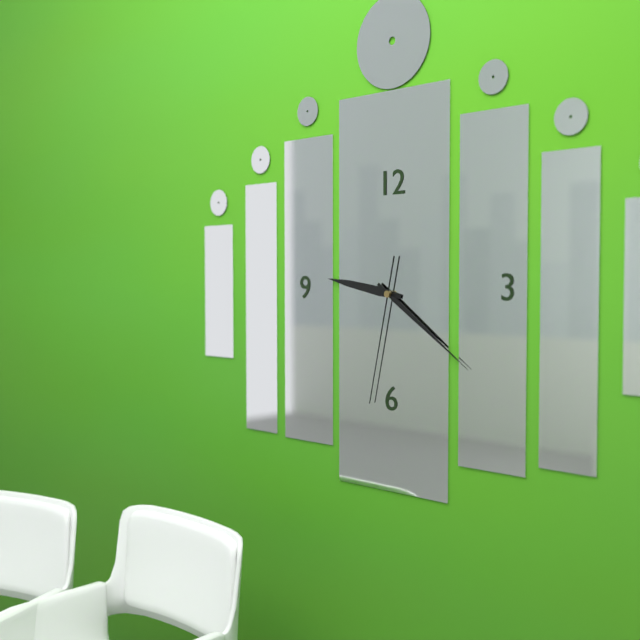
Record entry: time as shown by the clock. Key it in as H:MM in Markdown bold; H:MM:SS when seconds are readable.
**9:21:32**
